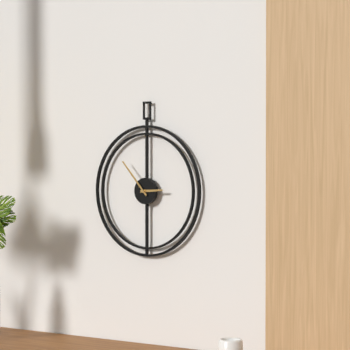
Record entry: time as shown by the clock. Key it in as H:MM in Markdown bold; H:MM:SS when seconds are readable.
**2:53**
